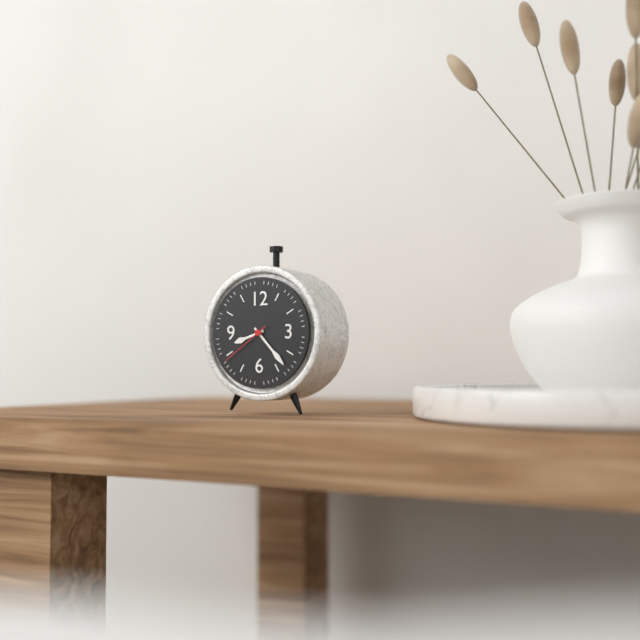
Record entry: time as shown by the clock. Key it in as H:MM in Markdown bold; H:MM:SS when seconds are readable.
**8:23:39**
